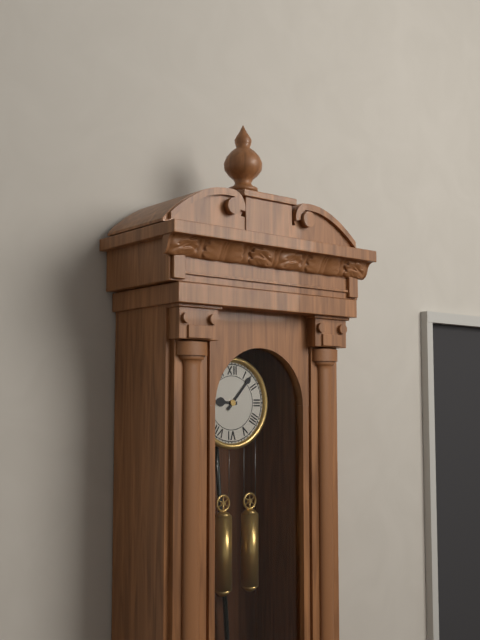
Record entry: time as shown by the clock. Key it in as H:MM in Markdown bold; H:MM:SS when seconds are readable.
**9:07**
